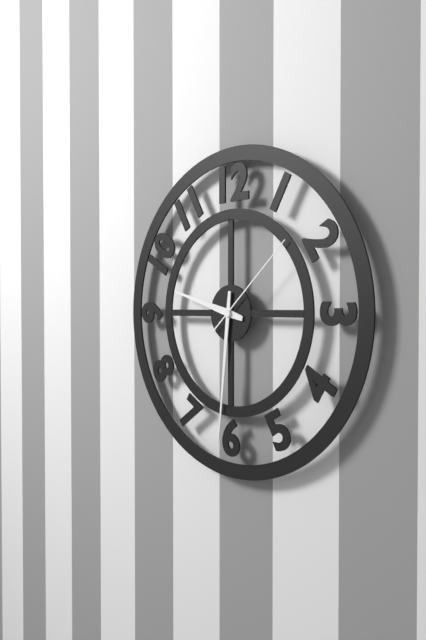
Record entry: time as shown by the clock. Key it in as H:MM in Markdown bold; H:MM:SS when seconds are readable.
**9:31:08**
